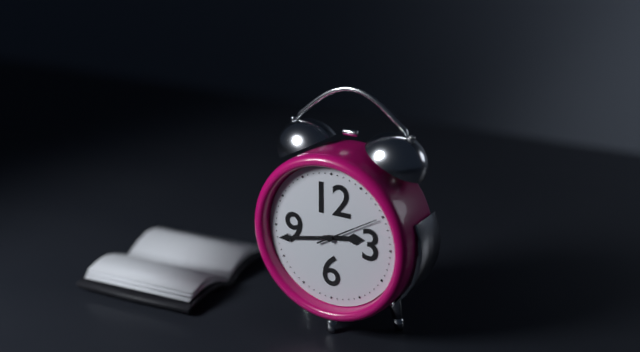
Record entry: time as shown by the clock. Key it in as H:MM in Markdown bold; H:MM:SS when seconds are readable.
**2:43:10**
